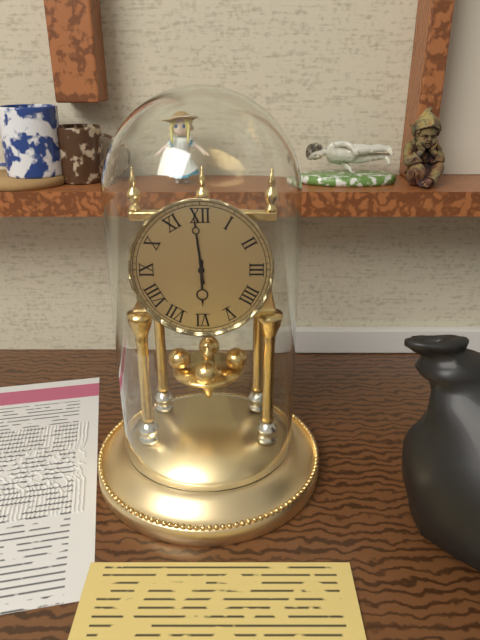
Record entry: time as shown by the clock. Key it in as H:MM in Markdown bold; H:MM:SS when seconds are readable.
**5:59**
